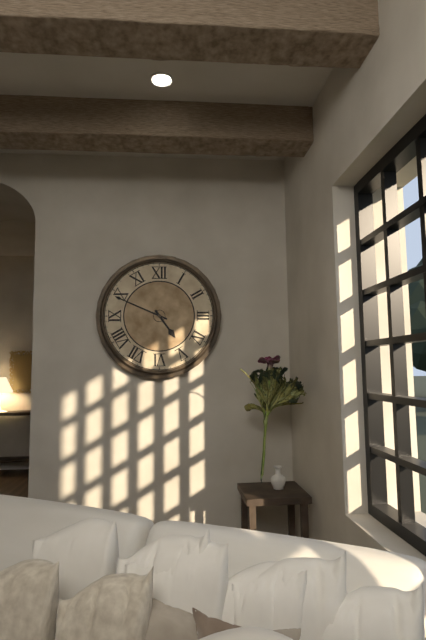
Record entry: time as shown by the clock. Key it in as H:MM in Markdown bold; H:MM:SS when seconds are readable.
**4:49**
